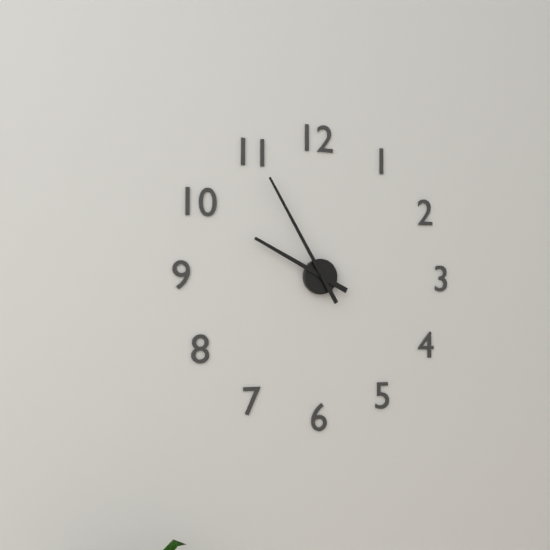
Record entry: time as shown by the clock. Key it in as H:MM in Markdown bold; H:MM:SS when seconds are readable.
**9:55**
